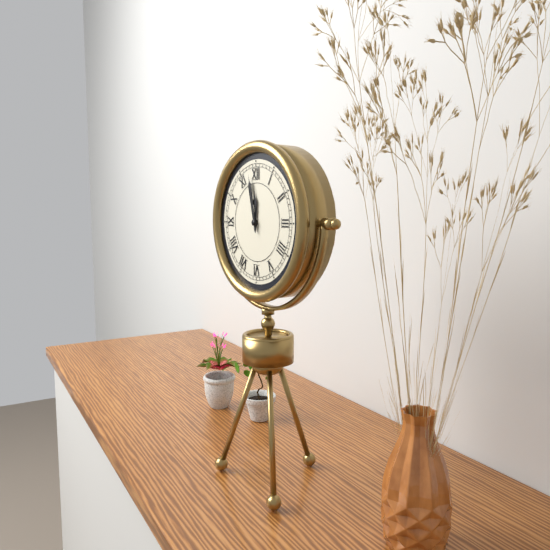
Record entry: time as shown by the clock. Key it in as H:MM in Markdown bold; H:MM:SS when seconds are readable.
**11:58**
